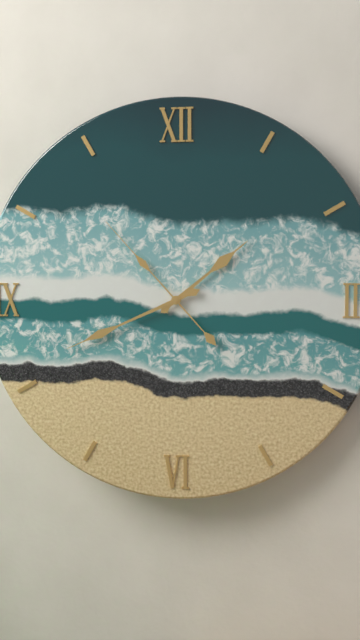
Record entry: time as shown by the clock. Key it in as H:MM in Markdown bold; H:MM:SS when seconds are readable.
**1:41:53**
